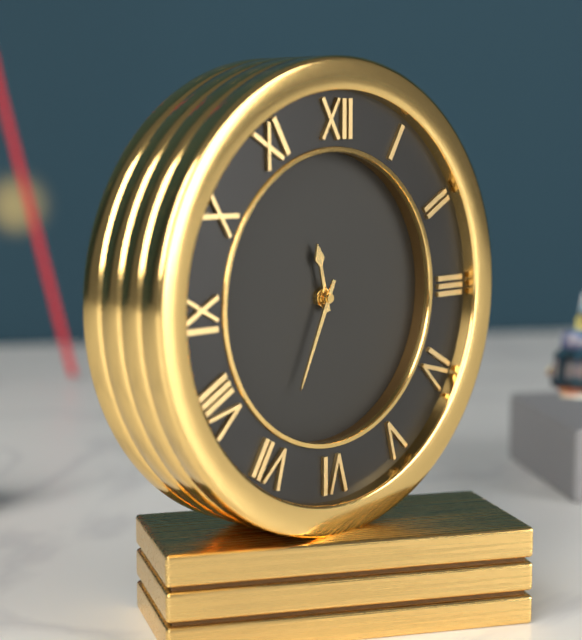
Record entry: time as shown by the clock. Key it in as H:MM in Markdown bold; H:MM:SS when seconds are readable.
**11:34**
